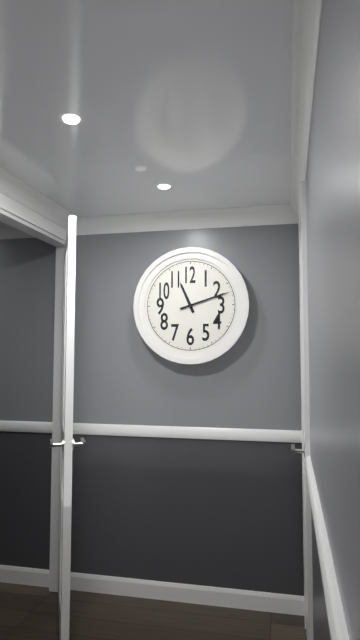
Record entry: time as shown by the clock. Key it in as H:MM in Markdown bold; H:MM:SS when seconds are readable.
**11:12**
